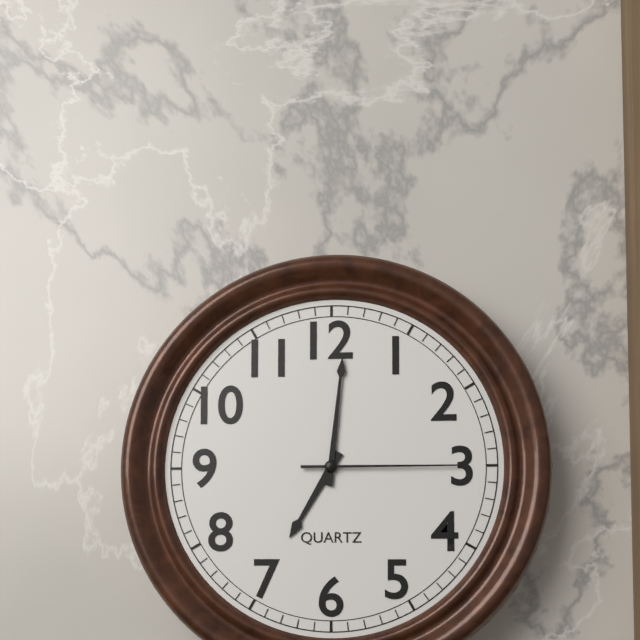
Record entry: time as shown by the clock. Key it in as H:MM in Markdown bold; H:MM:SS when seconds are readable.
**7:01:15**
